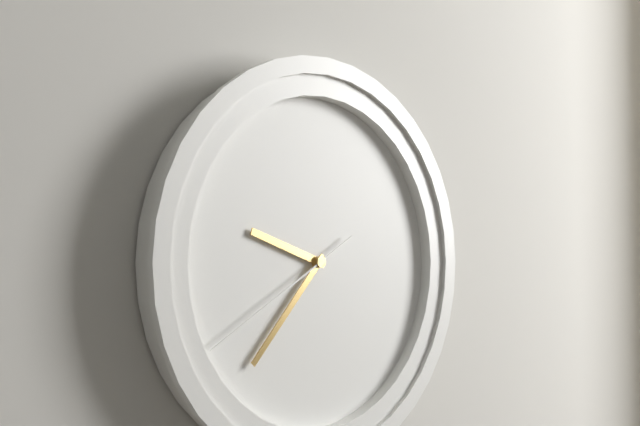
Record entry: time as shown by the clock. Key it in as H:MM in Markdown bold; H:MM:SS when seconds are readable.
**9:37:40**
